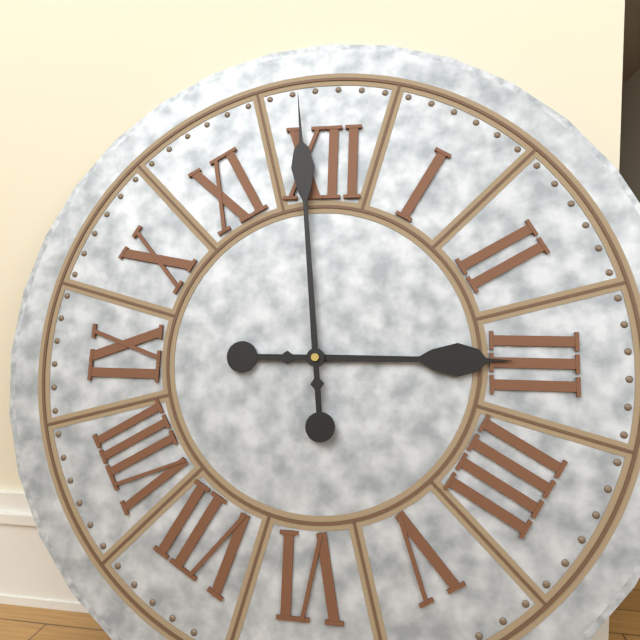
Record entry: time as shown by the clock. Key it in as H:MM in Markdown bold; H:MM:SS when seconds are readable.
**2:59**
